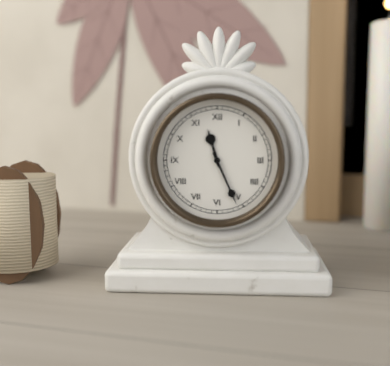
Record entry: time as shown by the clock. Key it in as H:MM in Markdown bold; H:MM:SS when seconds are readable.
**11:26**
